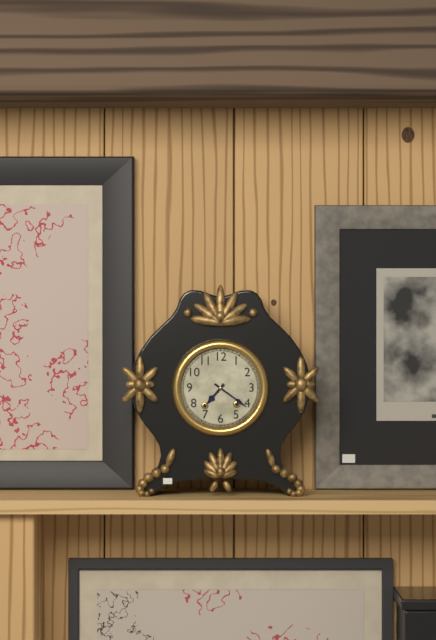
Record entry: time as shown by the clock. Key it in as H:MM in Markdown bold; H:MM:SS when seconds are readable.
**7:21**
